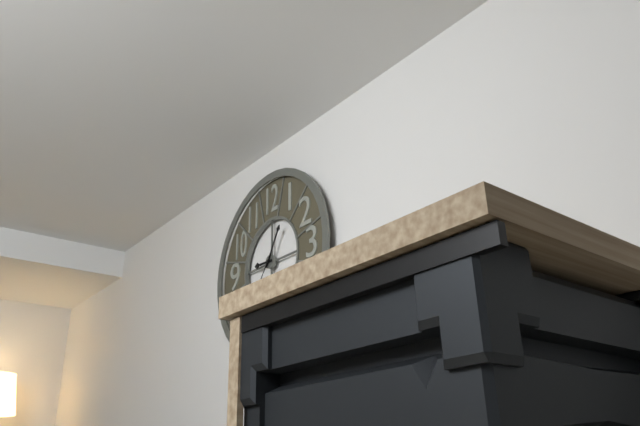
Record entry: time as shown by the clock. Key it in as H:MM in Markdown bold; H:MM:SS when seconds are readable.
**9:05**
